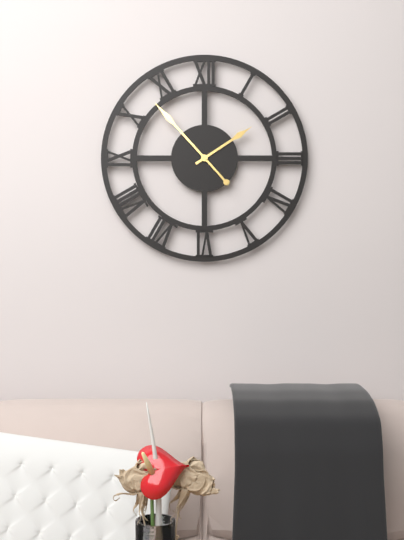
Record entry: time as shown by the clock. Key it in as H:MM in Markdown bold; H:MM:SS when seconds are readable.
**1:53**
